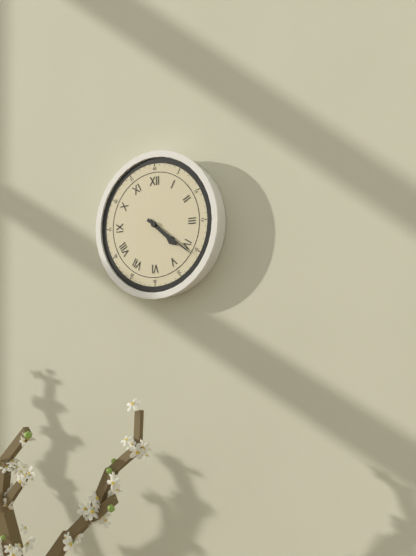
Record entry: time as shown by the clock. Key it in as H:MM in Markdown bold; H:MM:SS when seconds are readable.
**4:21**
